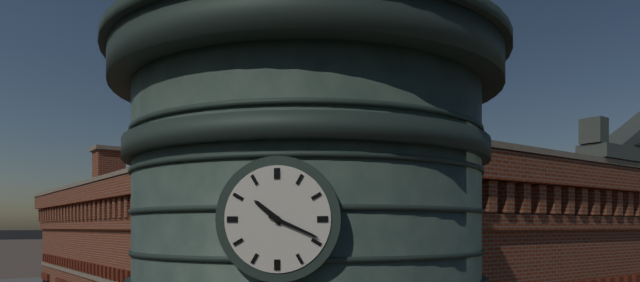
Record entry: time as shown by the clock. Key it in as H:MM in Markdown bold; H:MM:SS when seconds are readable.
**10:19**
